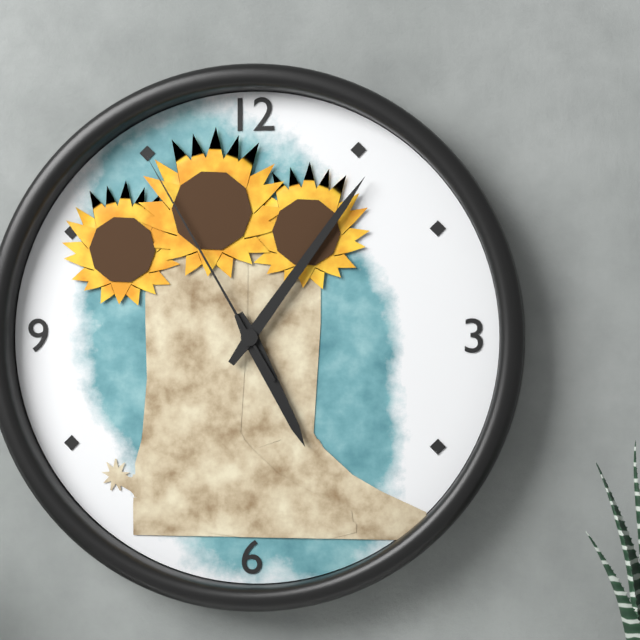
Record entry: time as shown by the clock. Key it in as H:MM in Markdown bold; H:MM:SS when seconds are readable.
**5:06:55**
